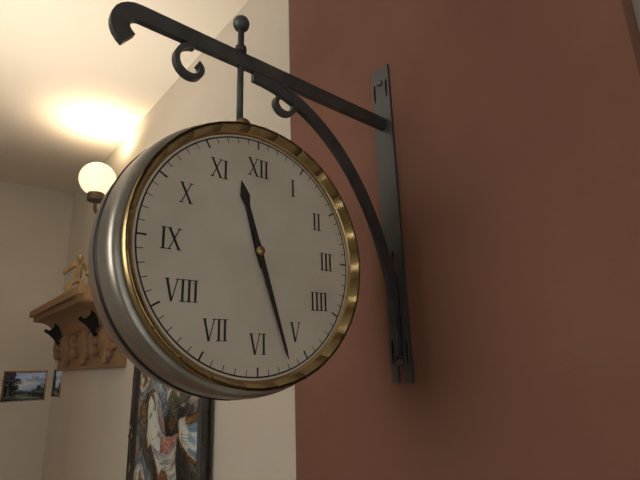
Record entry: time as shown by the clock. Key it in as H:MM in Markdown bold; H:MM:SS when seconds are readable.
**11:27**
